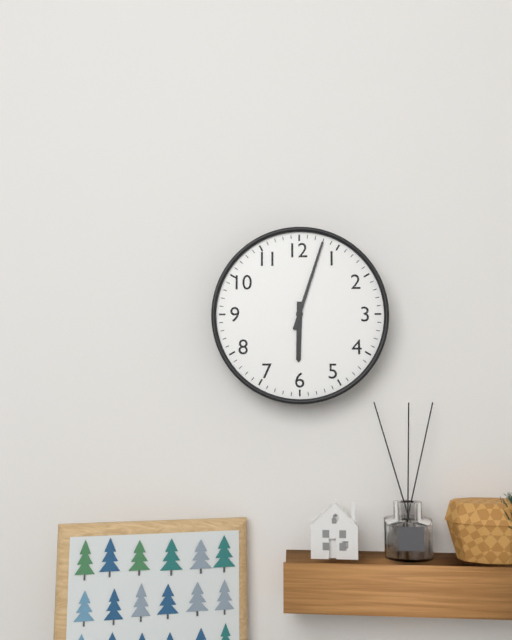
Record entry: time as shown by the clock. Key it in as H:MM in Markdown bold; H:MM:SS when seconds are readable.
**6:03**
